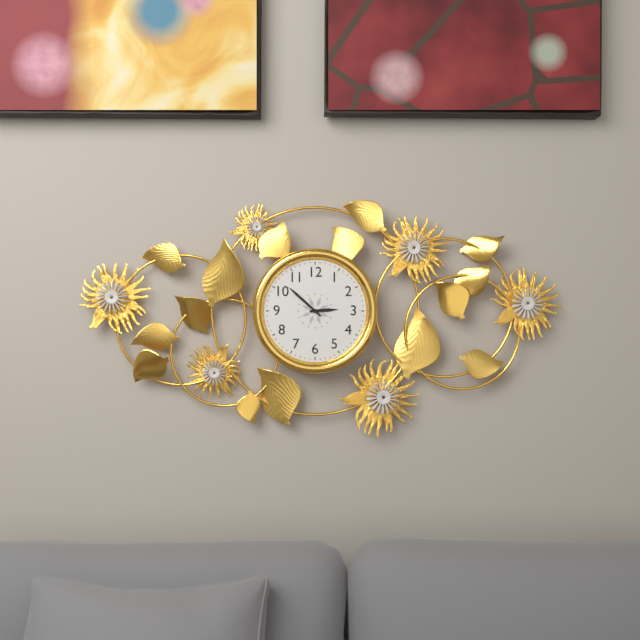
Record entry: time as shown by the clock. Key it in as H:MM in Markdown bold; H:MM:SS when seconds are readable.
**2:52**
